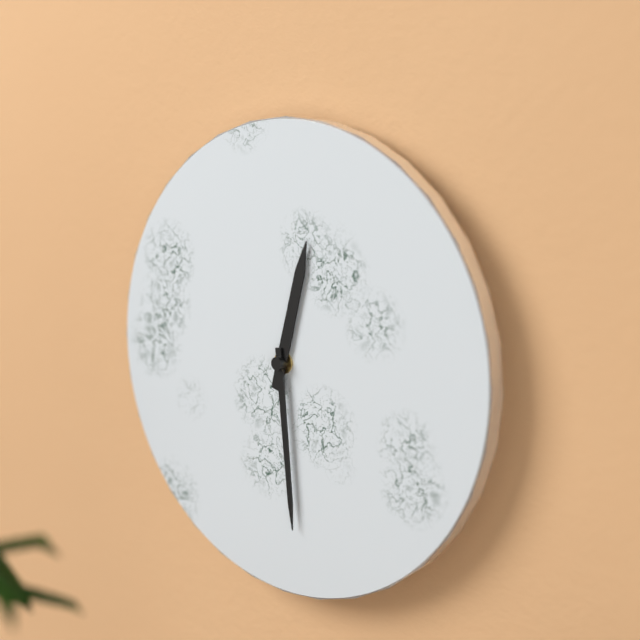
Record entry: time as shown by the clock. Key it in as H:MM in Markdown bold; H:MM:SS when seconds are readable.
**12:29**
